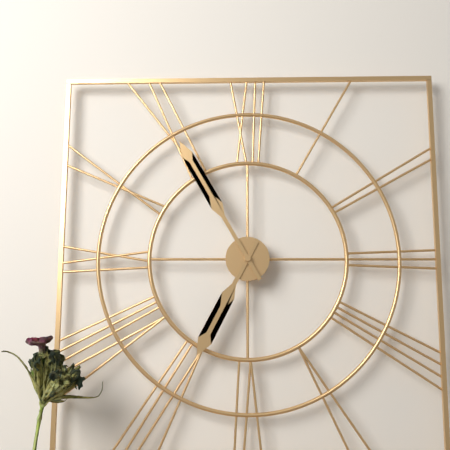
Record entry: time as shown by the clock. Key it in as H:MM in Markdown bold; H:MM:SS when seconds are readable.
**6:55**
